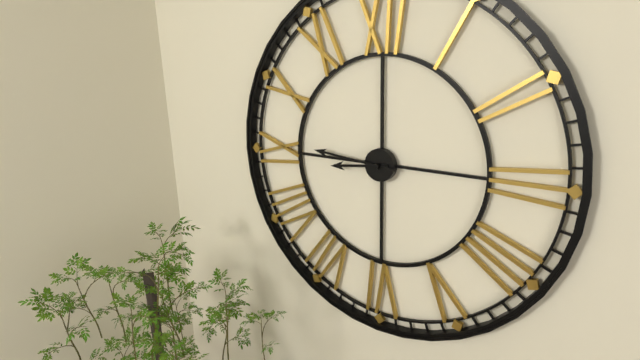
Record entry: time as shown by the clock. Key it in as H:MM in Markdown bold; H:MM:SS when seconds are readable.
**8:46**
